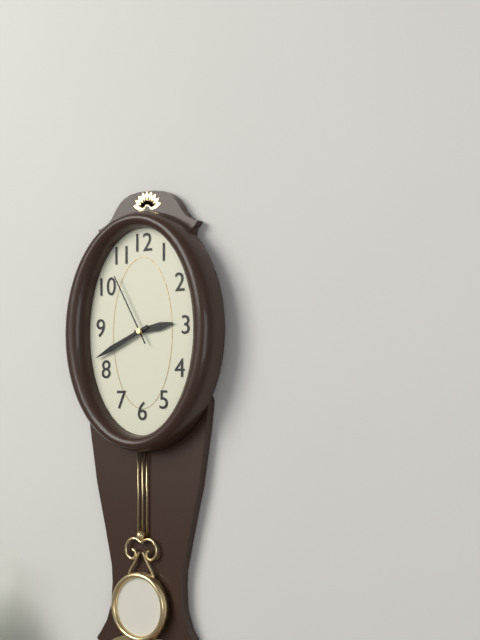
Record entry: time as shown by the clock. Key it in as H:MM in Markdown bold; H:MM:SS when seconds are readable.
**2:41:55**
